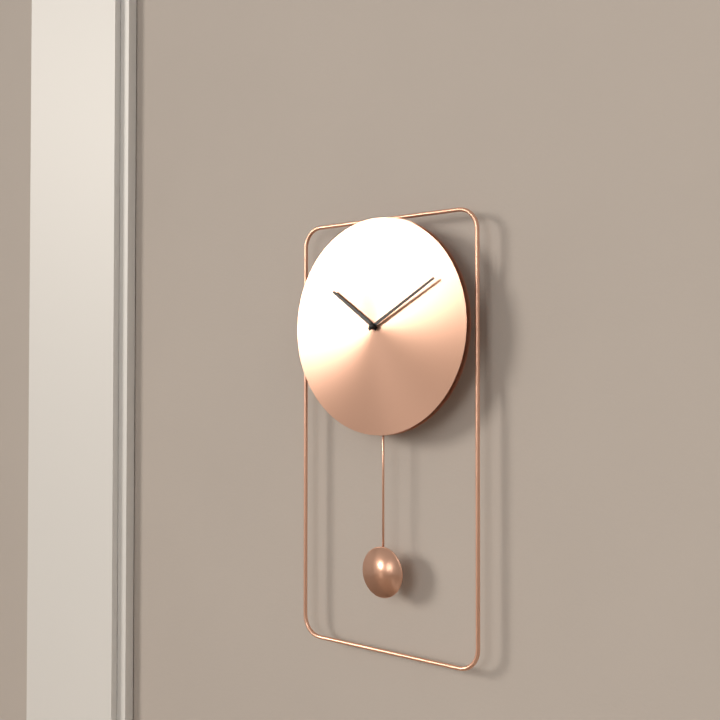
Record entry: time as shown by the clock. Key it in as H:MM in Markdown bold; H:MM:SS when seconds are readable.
**10:10**
